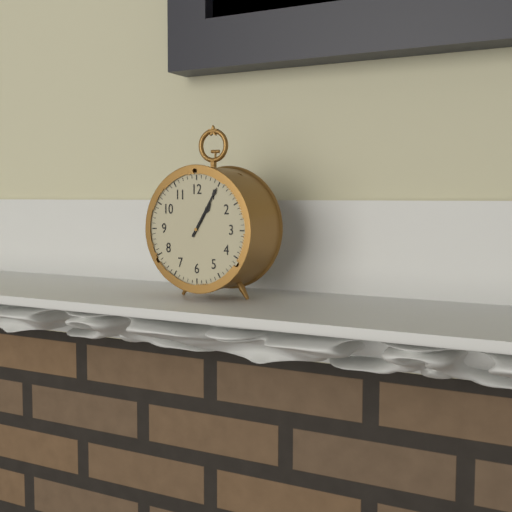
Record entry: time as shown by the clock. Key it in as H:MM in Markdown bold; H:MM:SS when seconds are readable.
**1:05**
